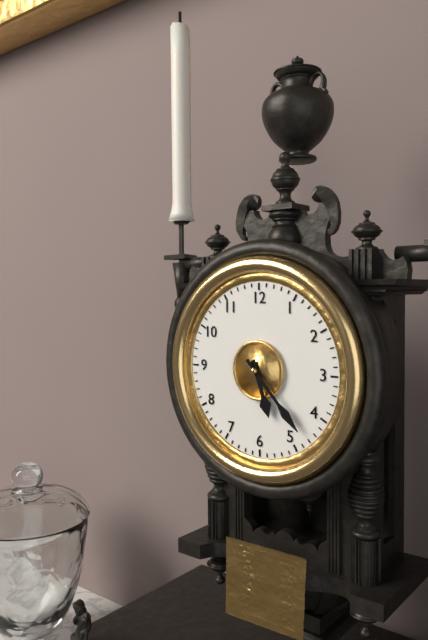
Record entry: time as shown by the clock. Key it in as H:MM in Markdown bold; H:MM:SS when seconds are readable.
**5:23**
